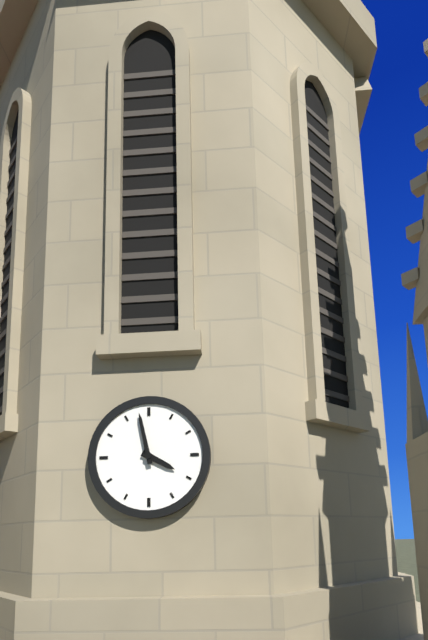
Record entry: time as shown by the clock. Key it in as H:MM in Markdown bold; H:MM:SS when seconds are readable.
**3:58**
